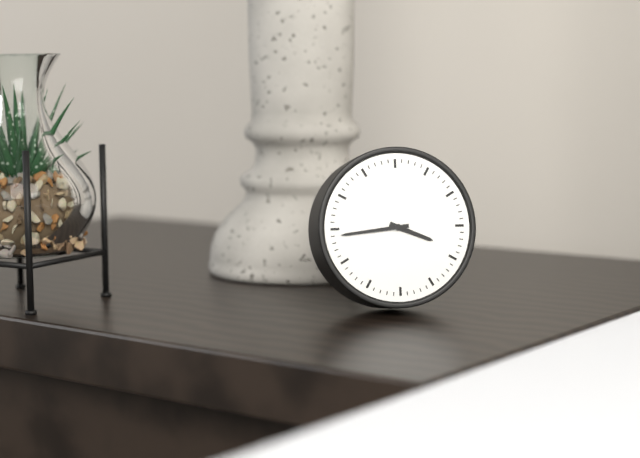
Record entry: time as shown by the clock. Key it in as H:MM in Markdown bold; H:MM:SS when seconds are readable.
**3:44**
